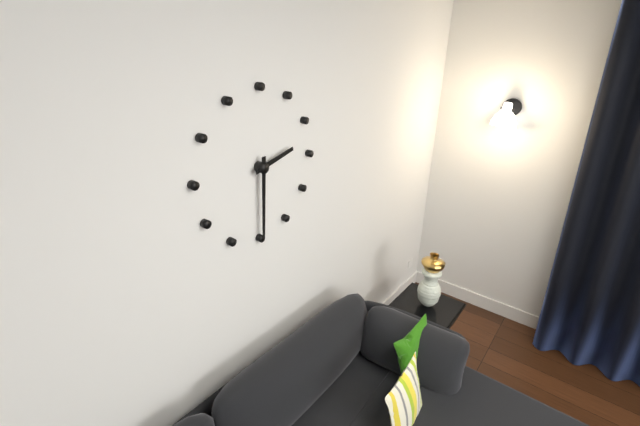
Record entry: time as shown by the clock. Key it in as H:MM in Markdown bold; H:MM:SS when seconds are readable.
**2:30**
